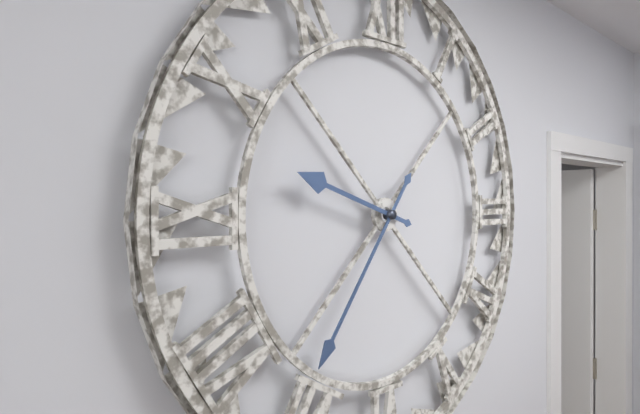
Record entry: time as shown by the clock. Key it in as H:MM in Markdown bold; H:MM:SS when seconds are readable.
**9:36**
